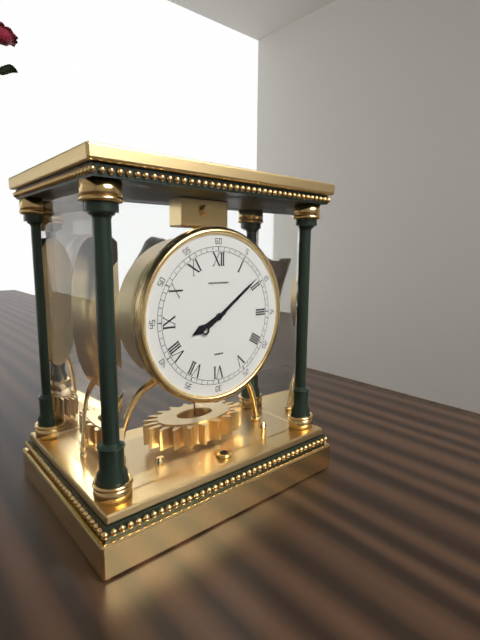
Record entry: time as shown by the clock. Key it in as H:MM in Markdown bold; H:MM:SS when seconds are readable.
**8:09**
